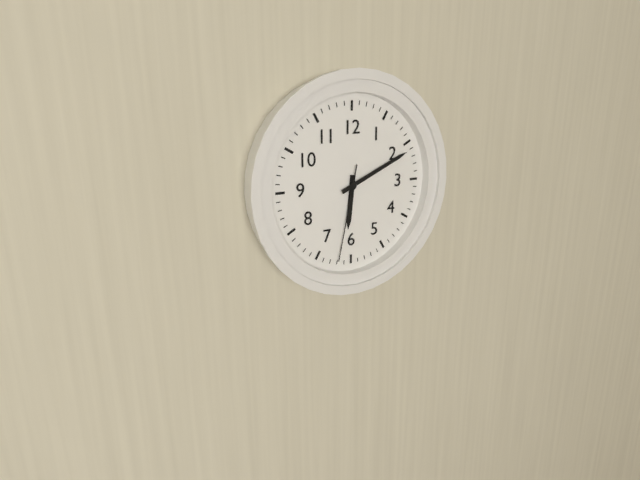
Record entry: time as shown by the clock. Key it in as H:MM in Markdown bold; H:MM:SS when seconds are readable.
**6:11:32**
